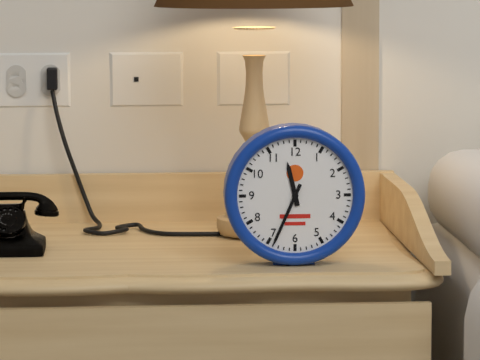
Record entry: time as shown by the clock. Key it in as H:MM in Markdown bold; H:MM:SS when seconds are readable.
**11:34**
